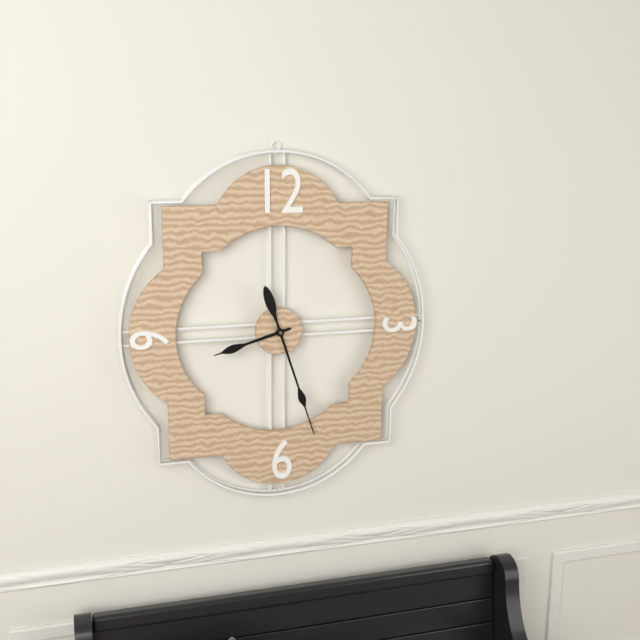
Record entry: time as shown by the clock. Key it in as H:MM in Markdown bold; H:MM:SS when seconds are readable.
**8:27**
